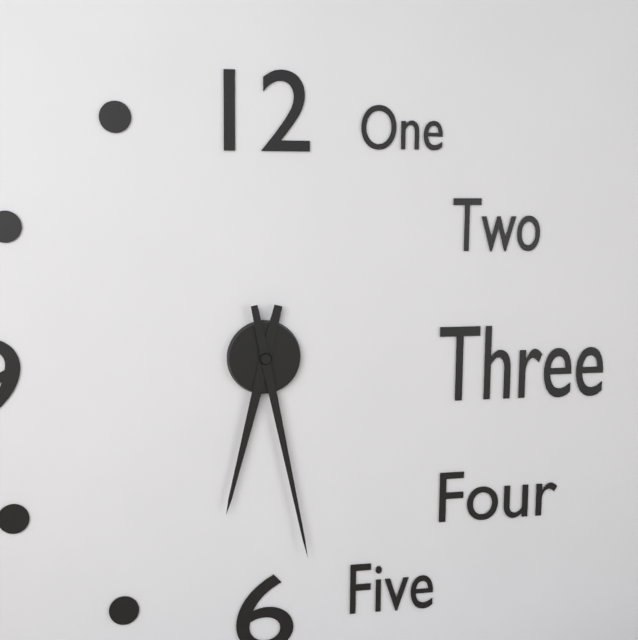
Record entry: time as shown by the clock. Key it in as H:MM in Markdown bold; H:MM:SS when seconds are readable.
**6:28**
